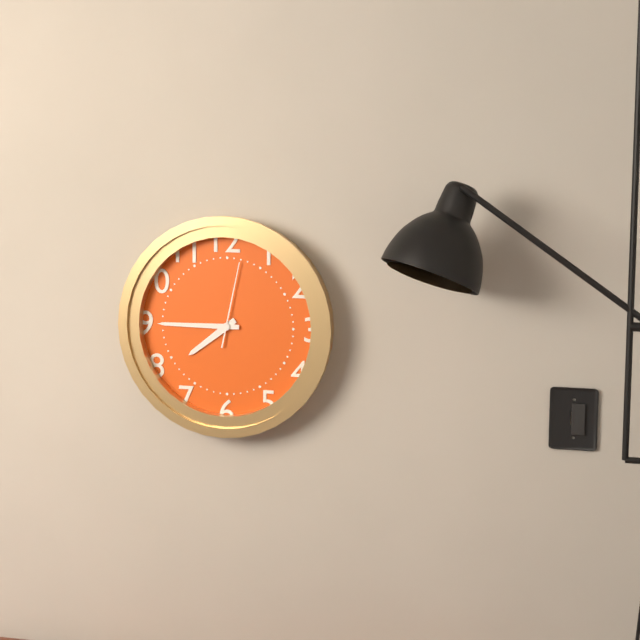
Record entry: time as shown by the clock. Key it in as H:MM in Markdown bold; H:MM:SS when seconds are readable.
**7:45:02**
